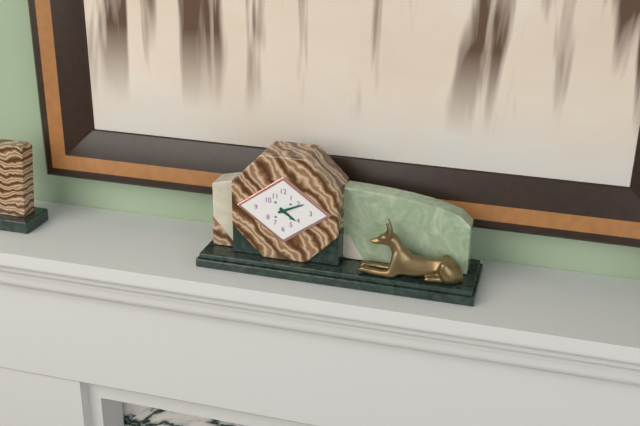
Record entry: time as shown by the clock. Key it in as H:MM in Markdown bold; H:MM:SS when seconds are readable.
**4:11**
